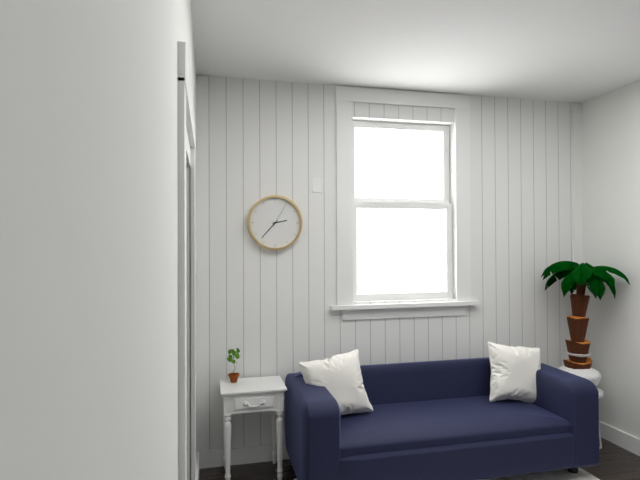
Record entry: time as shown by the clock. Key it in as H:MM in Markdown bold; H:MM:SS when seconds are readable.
**2:37**
